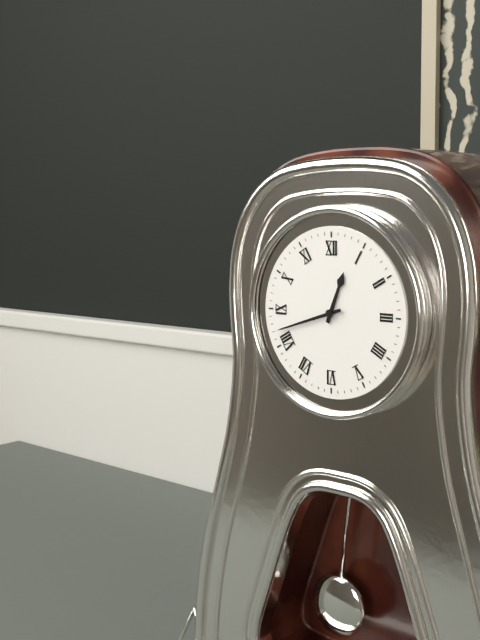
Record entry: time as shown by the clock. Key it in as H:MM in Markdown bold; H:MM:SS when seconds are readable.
**12:42**
